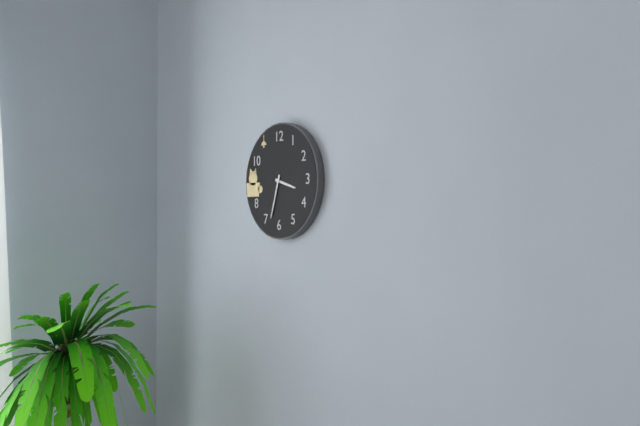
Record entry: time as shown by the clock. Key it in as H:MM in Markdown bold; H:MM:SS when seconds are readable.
**3:33**
